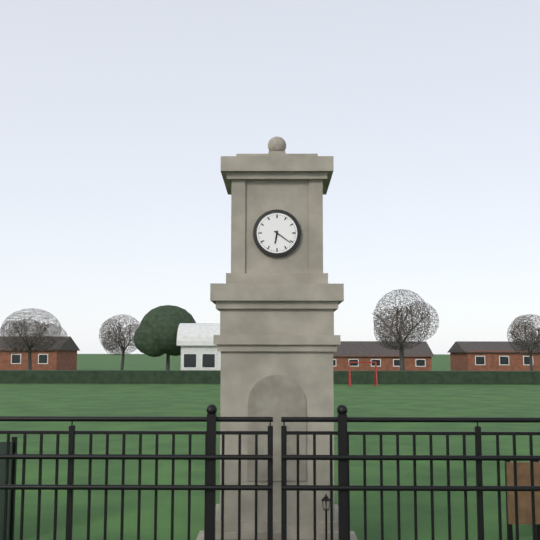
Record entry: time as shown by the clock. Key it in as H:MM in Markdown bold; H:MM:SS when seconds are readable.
**6:21**
